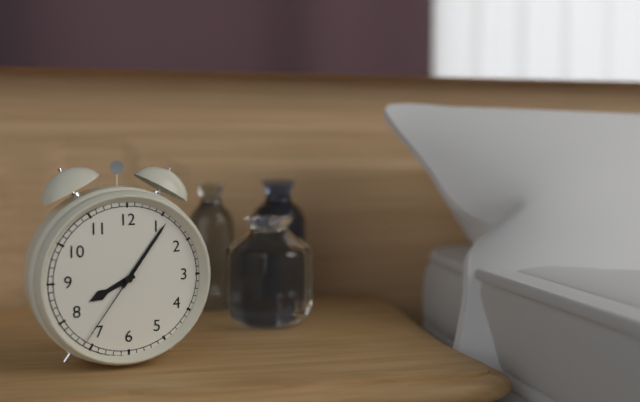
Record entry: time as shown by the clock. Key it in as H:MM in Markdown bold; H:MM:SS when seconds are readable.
**8:06:36**
